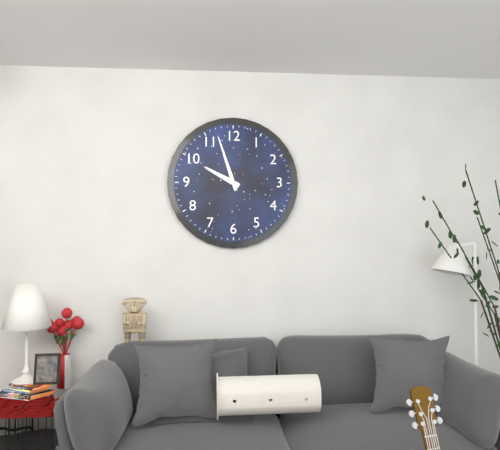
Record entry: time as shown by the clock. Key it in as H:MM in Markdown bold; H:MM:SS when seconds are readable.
**9:57**
